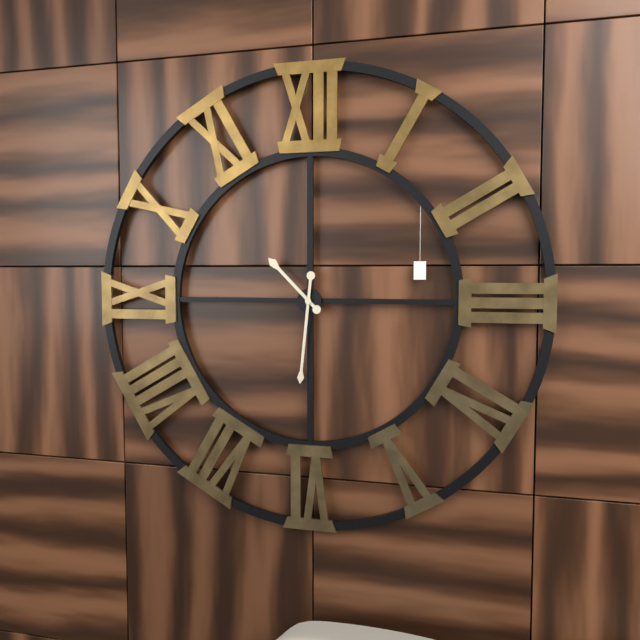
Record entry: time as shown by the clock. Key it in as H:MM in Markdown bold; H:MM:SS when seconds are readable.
**10:31**
